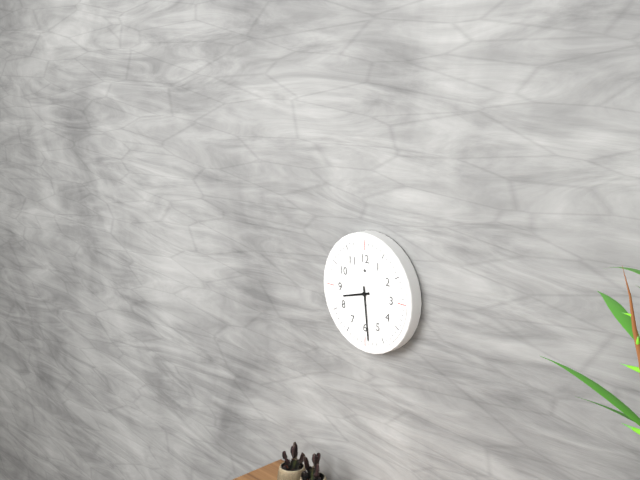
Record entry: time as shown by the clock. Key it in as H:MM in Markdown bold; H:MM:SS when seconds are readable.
**8:29**
